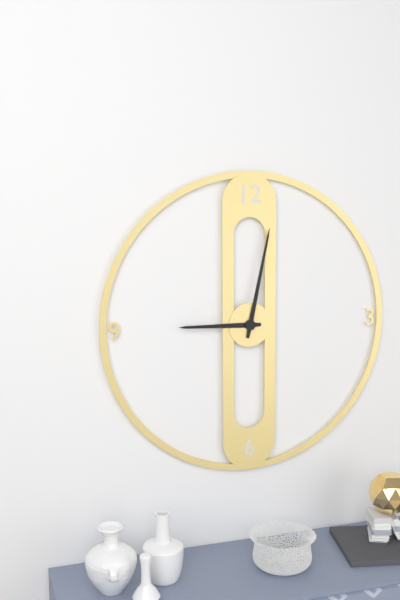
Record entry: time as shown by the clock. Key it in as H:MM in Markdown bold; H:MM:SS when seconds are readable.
**9:02**
